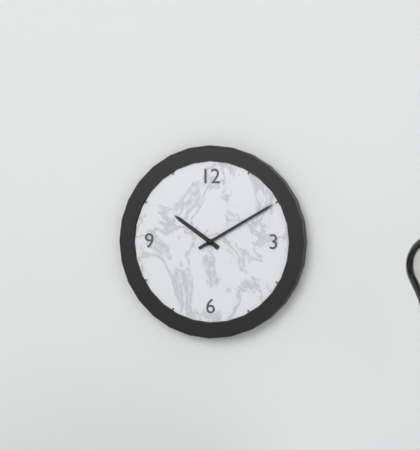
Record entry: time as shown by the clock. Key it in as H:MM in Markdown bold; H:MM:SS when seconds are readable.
**10:10**
